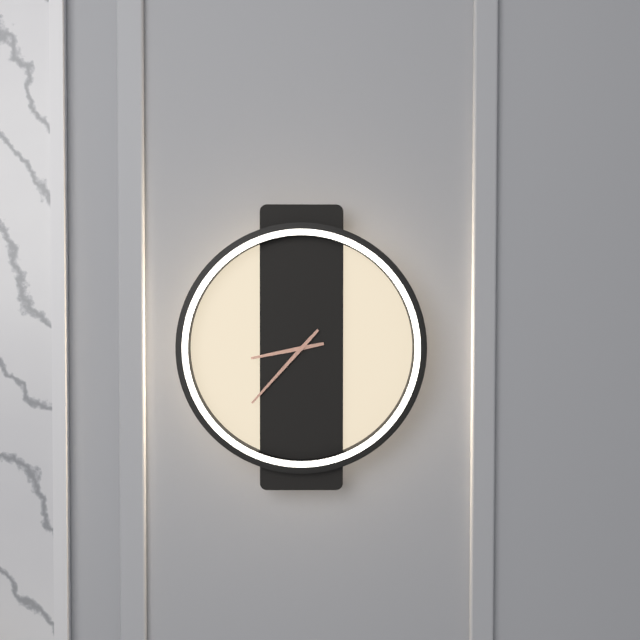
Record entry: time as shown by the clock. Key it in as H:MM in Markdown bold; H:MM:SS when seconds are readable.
**8:37**
